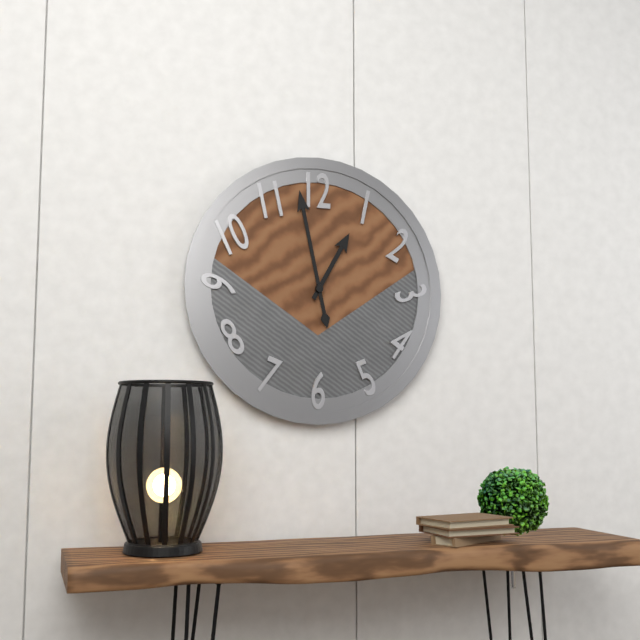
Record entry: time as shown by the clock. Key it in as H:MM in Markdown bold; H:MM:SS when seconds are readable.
**12:58**
